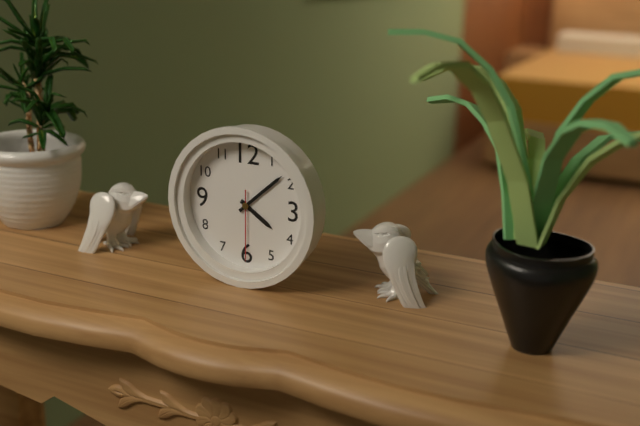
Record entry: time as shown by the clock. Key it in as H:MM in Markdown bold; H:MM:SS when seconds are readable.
**4:08:30**
